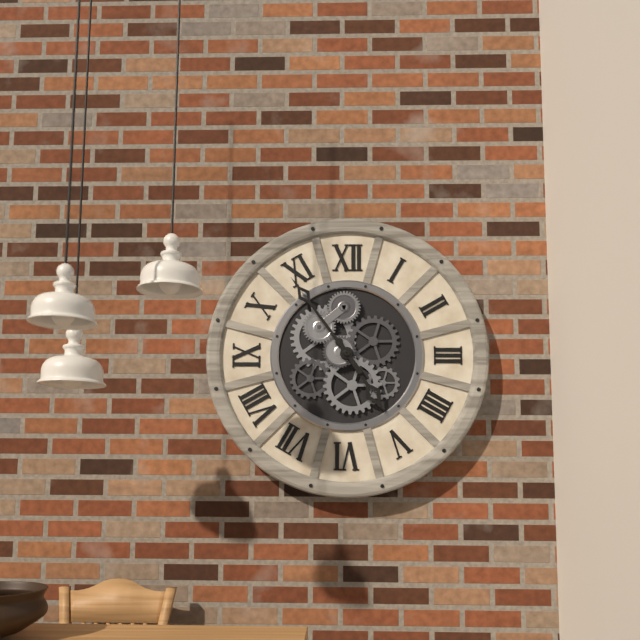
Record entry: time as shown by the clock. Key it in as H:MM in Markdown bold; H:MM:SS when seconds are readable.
**4:54**
